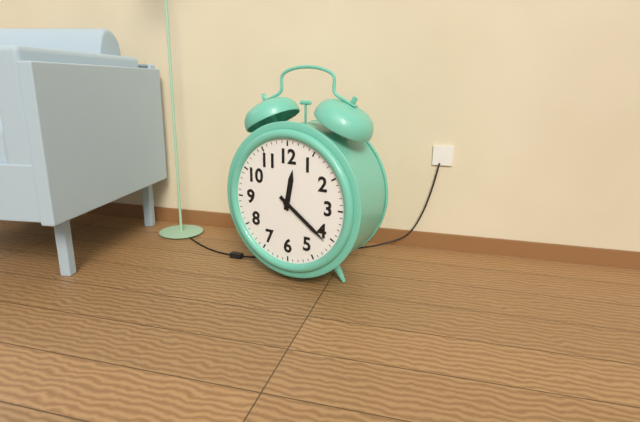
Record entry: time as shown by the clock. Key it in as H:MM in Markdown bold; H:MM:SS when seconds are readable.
**12:21**
